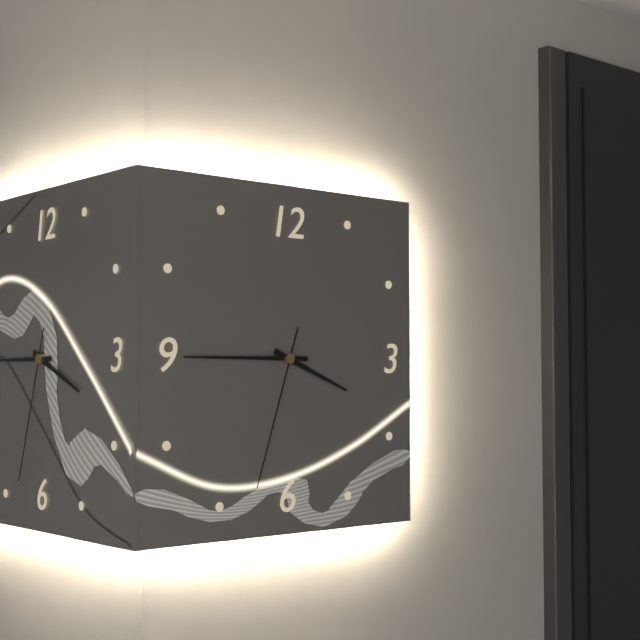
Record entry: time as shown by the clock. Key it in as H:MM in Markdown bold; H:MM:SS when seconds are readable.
**3:45:33**
